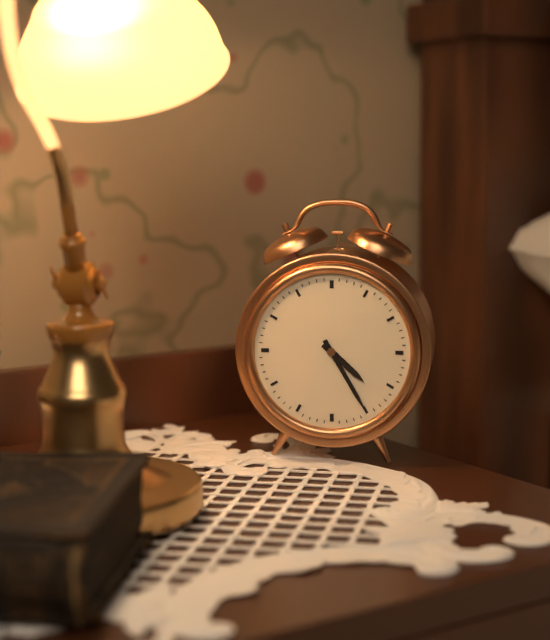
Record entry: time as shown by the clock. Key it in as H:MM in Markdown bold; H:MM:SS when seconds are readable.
**4:25**
